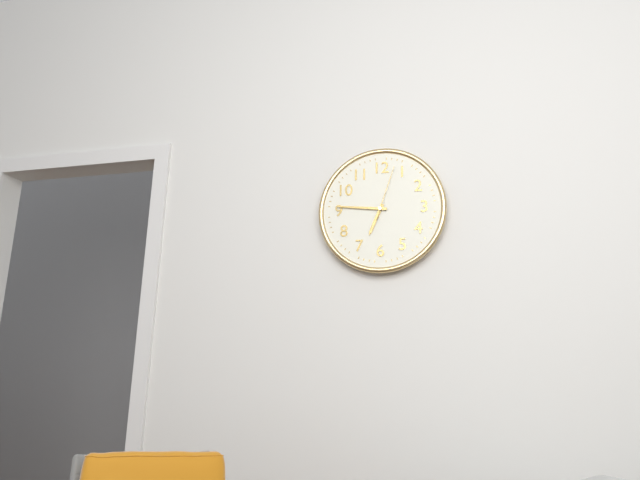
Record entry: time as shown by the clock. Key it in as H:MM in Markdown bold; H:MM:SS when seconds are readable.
**6:46:03**
